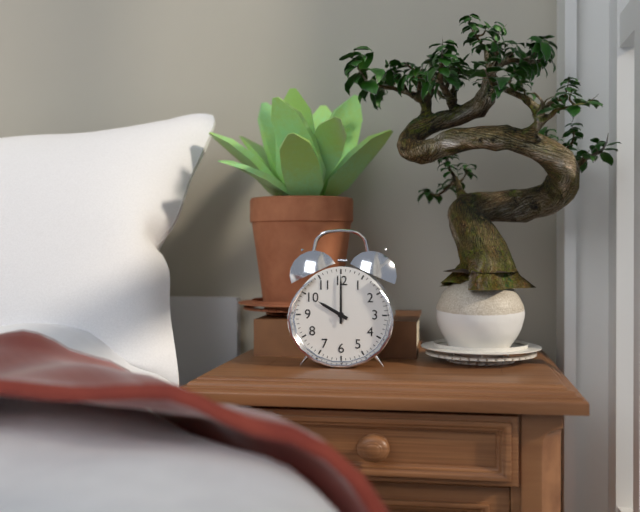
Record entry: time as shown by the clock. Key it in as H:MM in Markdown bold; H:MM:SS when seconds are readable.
**10:00**
